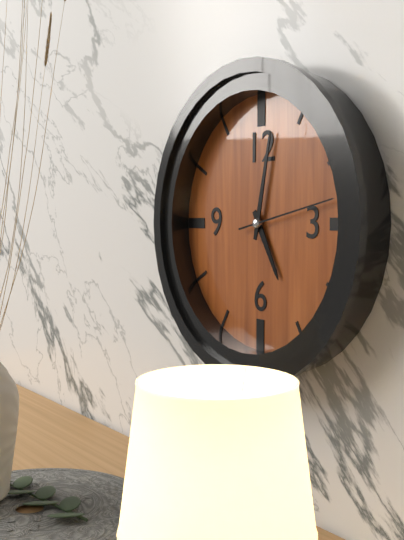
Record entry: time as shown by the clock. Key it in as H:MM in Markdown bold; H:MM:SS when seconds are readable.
**5:02:13**
